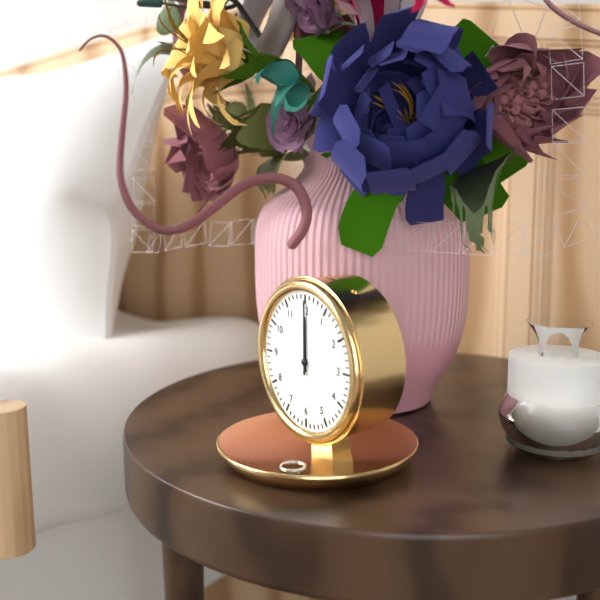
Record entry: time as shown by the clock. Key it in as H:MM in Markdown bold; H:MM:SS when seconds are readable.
**12:00**
